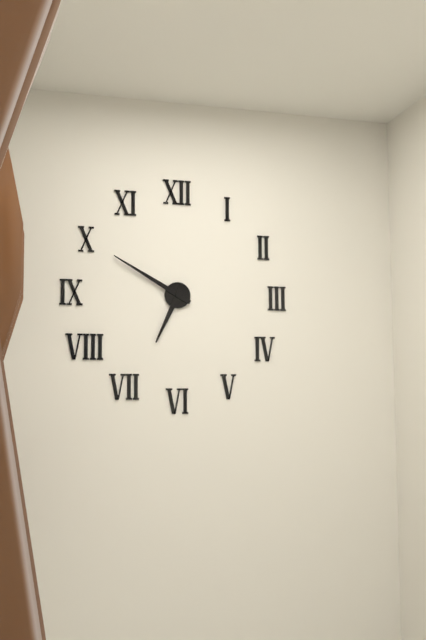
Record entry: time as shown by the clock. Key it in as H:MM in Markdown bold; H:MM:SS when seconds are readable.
**6:50**
